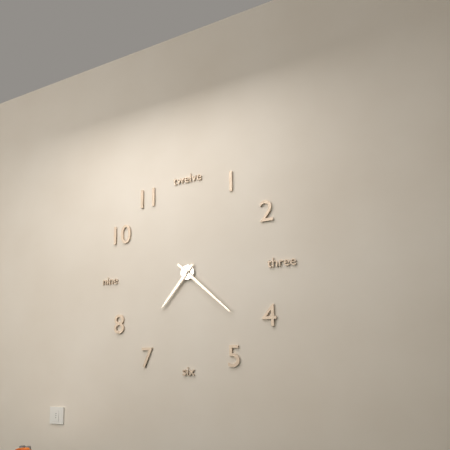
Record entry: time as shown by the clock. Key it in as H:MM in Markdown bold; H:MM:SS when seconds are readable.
**7:22**
